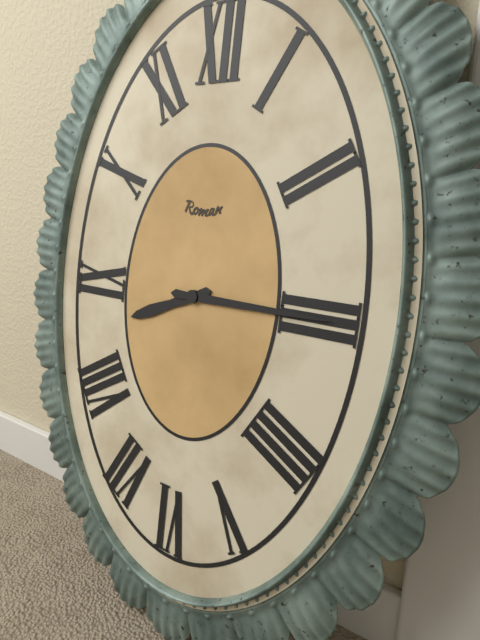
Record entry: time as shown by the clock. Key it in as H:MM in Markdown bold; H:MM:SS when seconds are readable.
**8:15**
